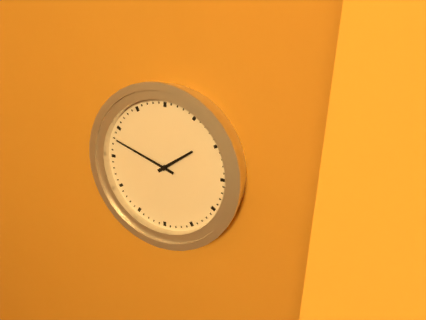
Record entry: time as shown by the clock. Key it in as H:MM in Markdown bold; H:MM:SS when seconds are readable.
**1:48**
